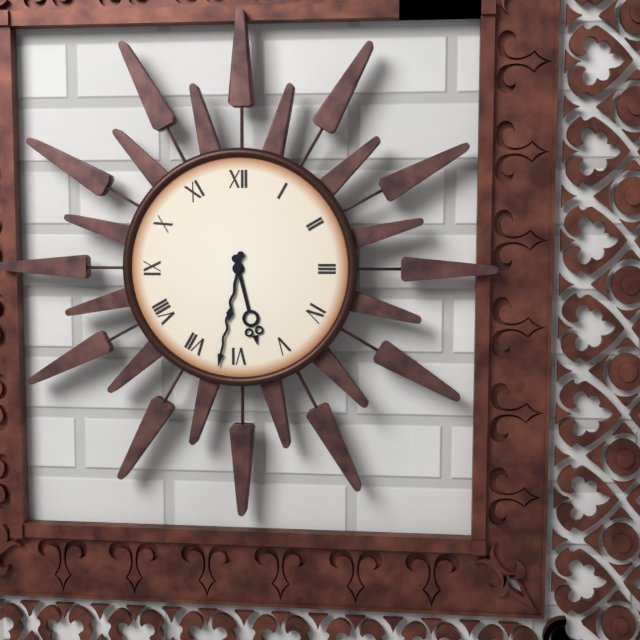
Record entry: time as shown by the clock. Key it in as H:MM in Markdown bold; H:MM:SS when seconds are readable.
**5:32**
